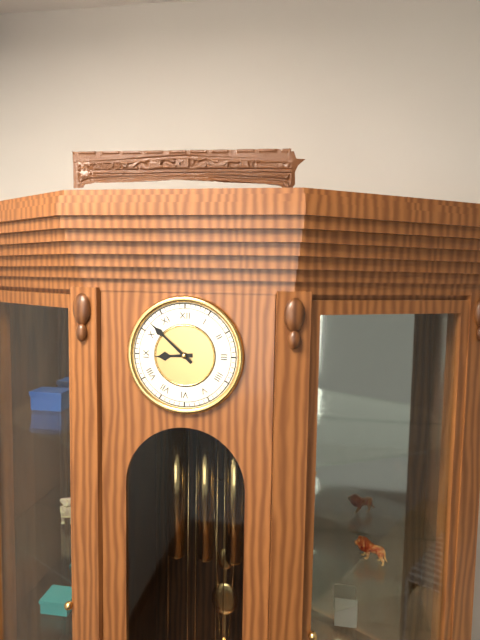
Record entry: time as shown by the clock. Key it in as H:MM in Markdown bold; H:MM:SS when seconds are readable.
**8:52**
